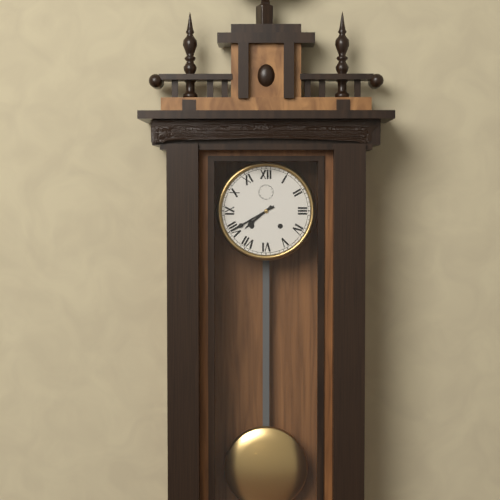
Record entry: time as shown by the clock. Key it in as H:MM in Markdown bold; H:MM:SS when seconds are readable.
**7:40**
